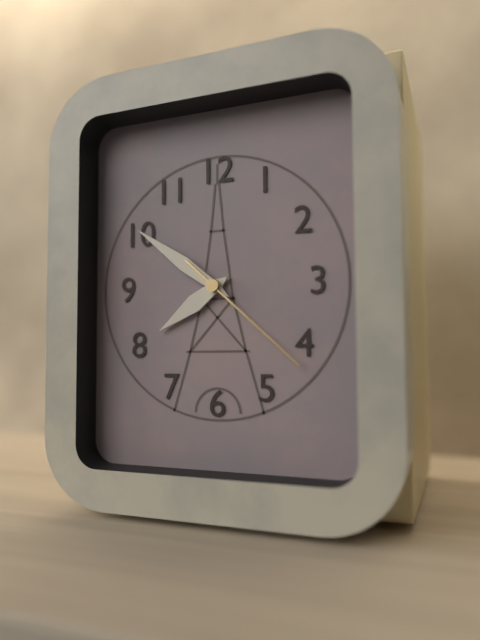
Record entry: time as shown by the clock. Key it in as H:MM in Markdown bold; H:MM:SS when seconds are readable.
**7:51:22**
